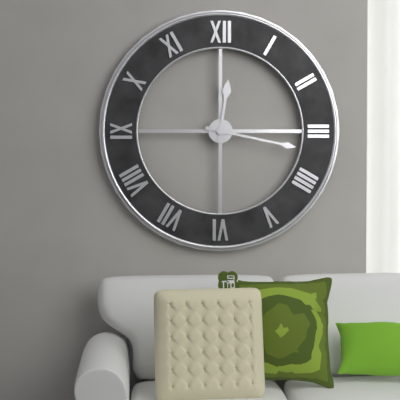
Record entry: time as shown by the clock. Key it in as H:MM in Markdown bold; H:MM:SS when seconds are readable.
**12:17**
